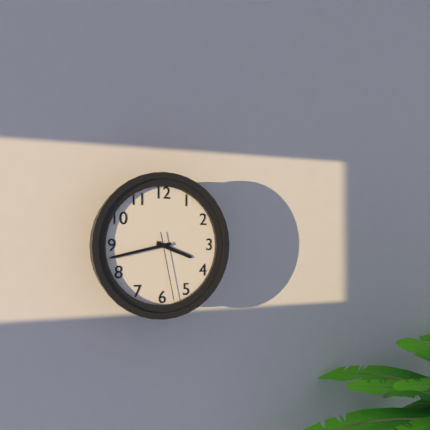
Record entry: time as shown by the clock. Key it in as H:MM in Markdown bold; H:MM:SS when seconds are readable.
**3:43:28**
